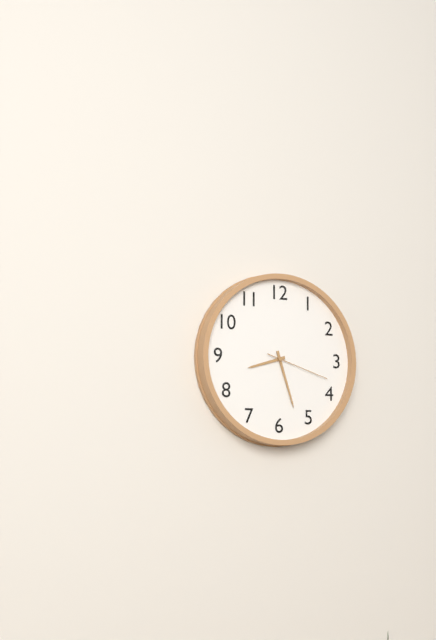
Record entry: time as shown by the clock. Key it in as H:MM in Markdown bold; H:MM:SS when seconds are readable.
**8:27:18**
